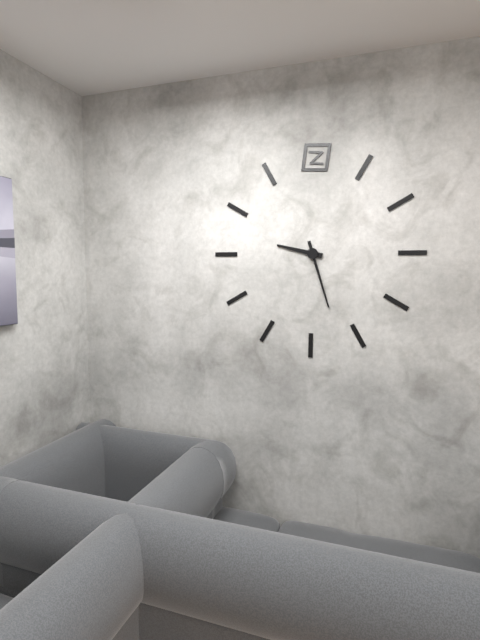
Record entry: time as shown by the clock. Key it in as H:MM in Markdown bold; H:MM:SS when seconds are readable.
**9:27**
